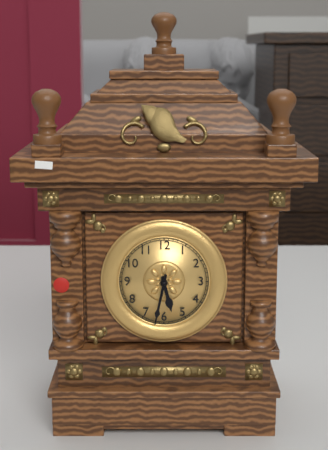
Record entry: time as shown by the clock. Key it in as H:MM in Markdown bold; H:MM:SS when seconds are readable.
**5:32**
